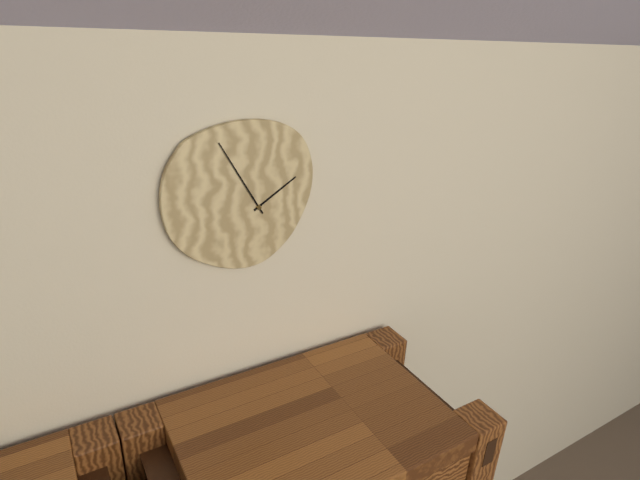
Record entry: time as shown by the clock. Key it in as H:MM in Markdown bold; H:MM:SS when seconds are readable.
**1:55**
